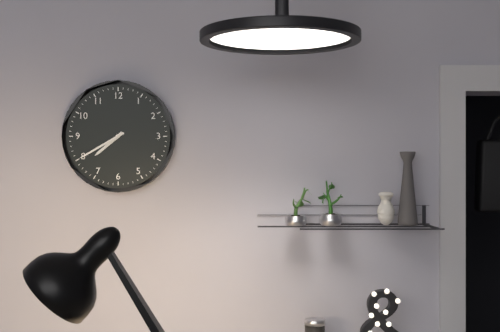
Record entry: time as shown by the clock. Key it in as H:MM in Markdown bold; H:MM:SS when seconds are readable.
**7:40**
